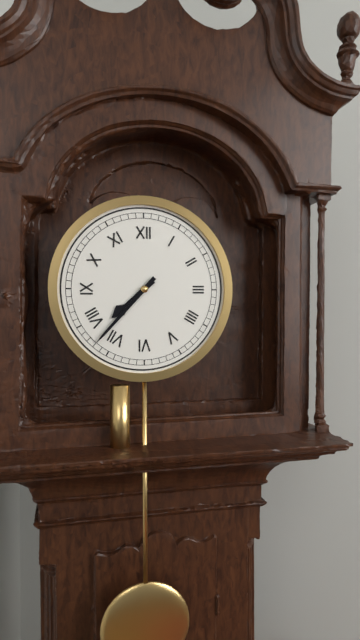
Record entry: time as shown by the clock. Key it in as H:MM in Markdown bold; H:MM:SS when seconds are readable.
**7:37**
